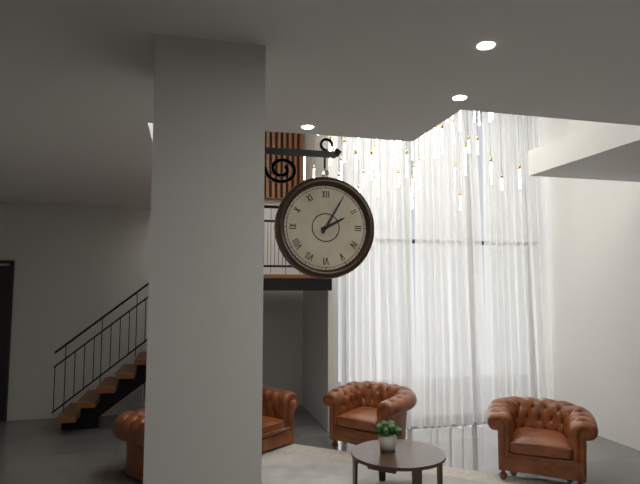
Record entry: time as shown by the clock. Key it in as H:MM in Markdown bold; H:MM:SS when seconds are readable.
**2:05**
